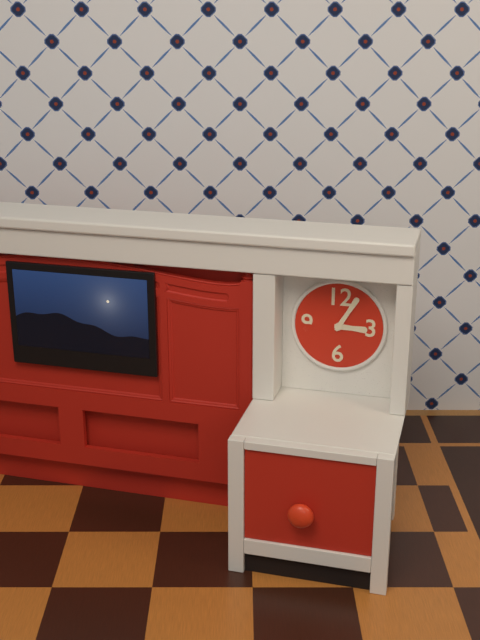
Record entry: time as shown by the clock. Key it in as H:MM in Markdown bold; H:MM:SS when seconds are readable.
**3:05**
